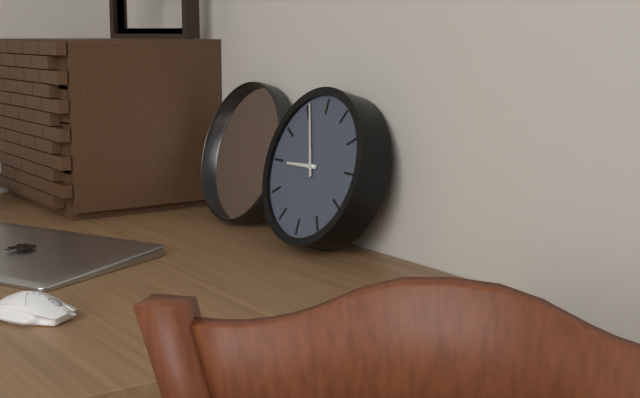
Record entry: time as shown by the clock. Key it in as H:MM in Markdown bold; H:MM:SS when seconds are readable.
**8:56**
